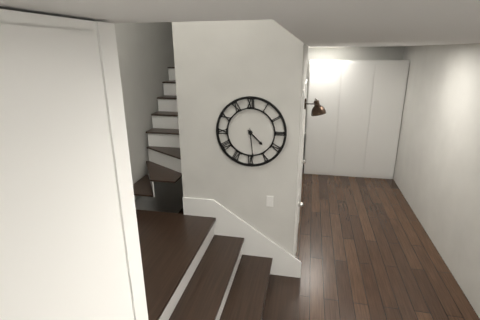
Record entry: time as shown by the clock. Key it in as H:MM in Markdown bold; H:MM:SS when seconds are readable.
**4:29**
